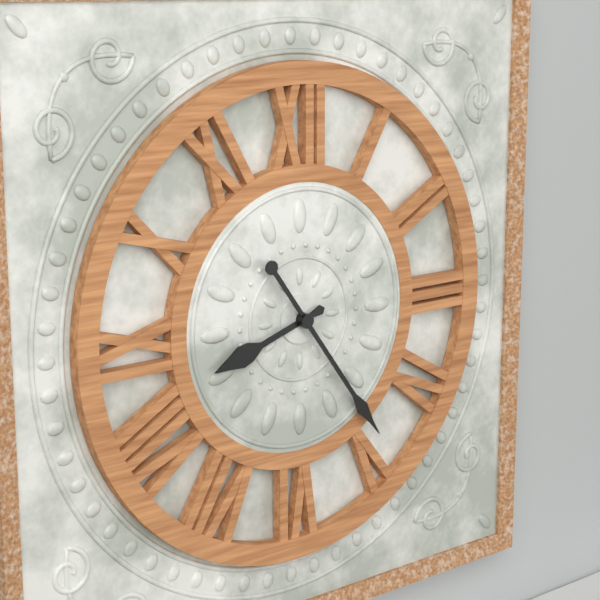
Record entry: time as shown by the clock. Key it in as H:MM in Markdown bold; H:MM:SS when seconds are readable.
**8:24**
